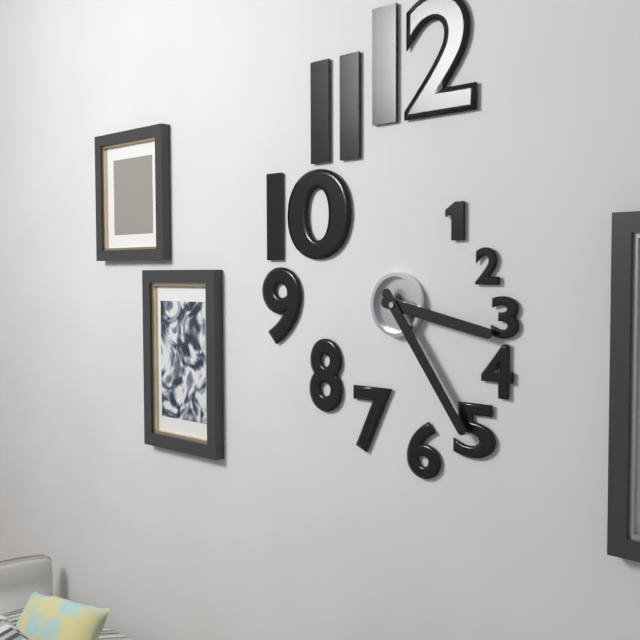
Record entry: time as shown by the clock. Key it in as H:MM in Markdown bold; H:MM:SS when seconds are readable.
**3:24**
